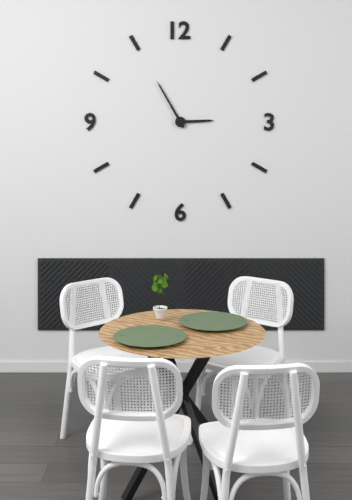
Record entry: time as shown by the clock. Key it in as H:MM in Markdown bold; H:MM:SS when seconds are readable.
**2:55**
